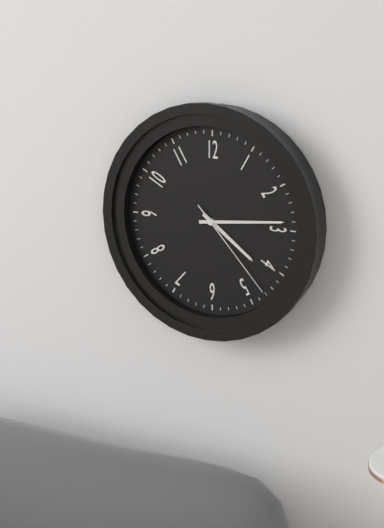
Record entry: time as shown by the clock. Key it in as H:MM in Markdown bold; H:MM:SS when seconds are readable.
**4:14:23**
